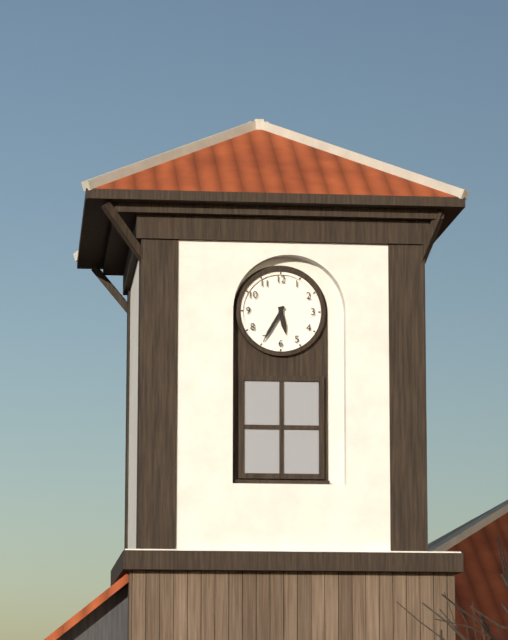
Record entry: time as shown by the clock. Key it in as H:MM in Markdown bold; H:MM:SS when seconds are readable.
**5:35**
